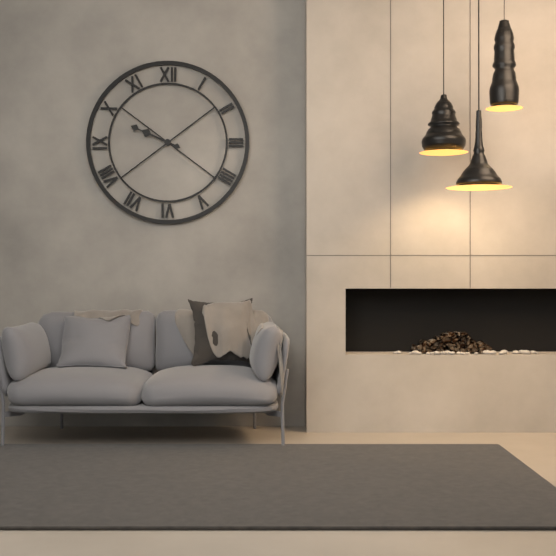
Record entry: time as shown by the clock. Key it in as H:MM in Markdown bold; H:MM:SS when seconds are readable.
**9:49**
